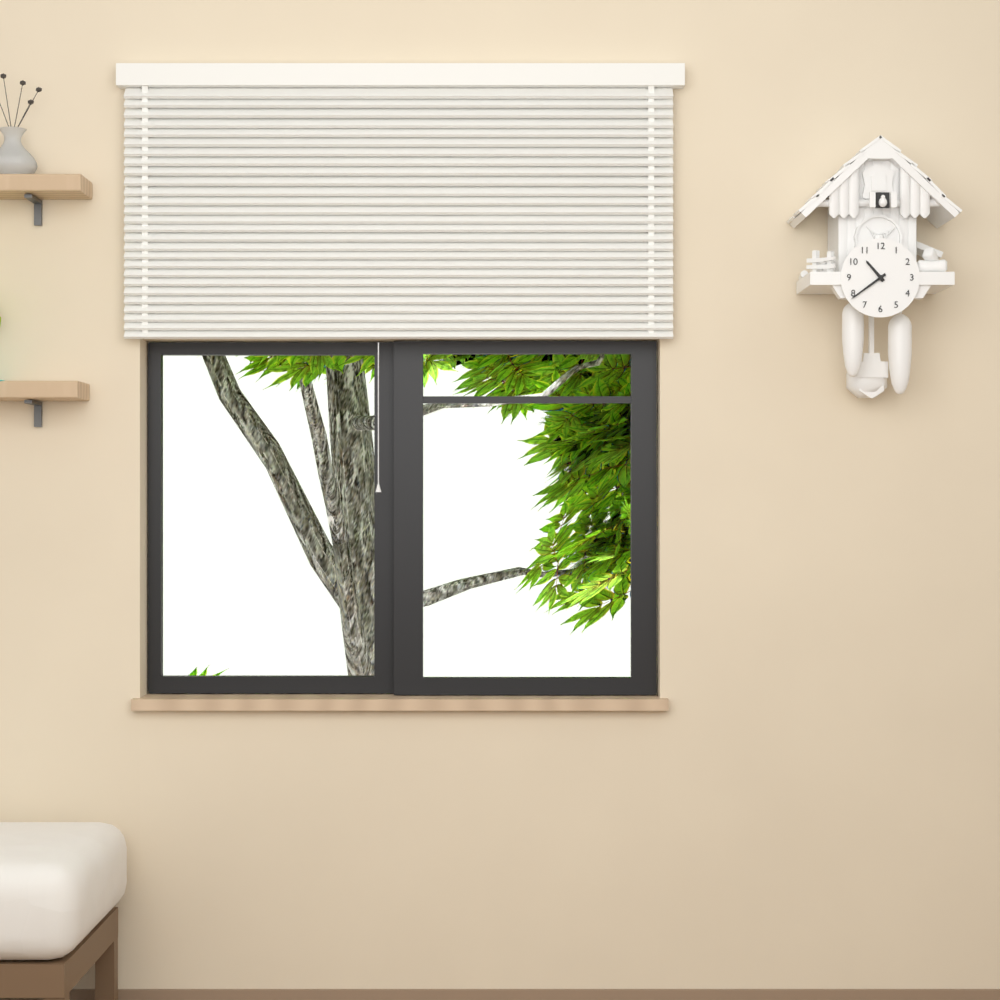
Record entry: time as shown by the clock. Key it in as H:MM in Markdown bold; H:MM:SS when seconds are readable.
**10:39**
